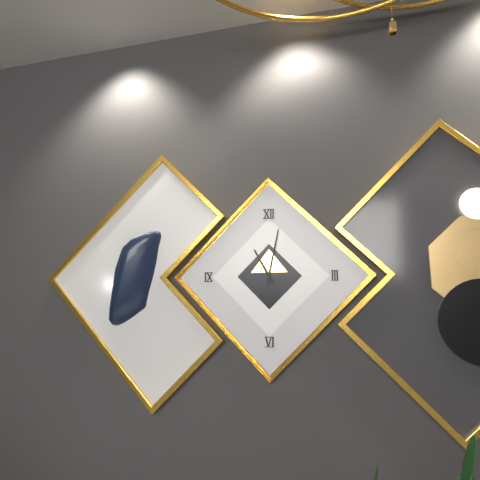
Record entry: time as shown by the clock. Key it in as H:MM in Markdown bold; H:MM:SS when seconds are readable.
**11:02**
